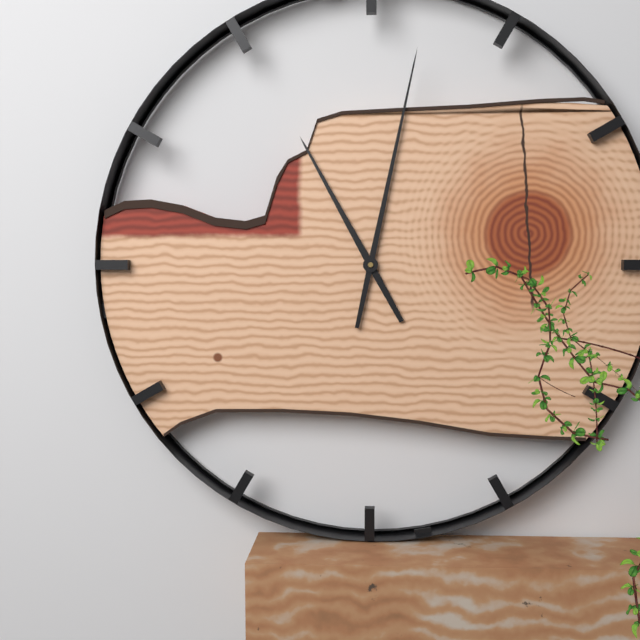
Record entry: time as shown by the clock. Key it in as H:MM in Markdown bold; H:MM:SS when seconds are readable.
**11:02**
